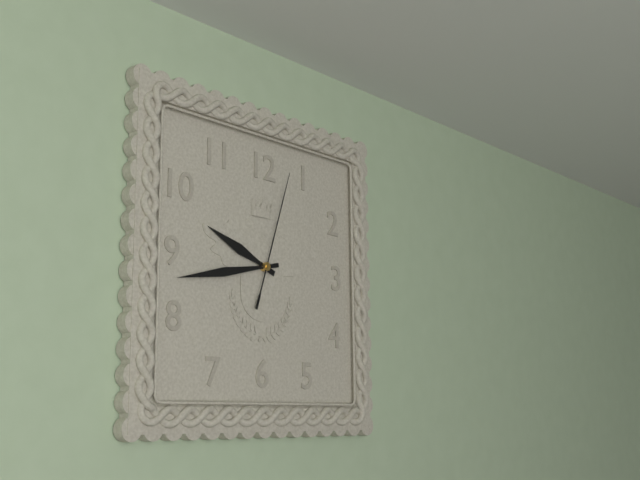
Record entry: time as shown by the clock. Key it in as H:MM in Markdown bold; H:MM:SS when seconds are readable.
**9:43:03**
